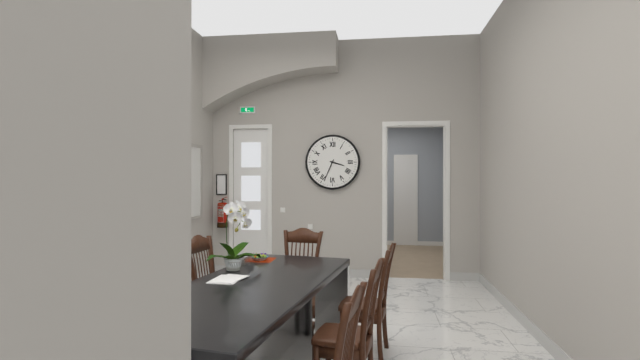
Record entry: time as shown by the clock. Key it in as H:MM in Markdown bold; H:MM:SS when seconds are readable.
**3:34**
